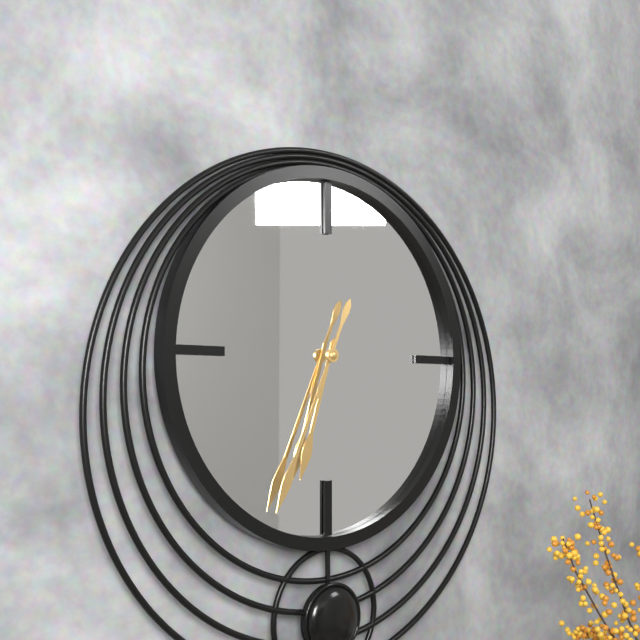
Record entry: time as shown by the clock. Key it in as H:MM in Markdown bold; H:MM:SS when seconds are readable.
**6:34**
